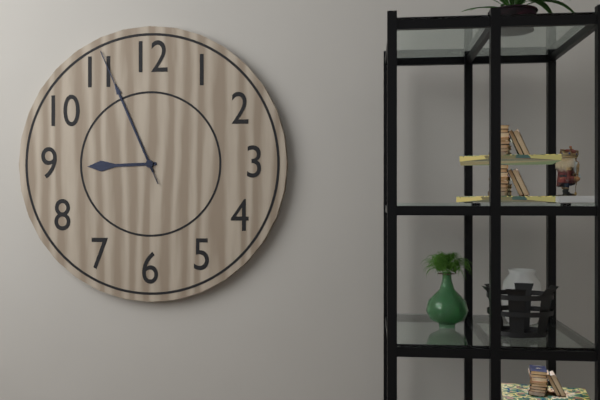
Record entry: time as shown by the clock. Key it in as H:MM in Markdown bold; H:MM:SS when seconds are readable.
**8:56:56**
